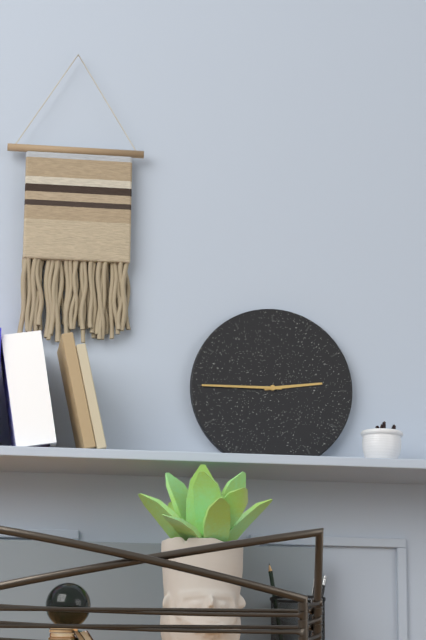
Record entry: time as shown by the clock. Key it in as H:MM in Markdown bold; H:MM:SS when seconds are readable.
**2:45**
